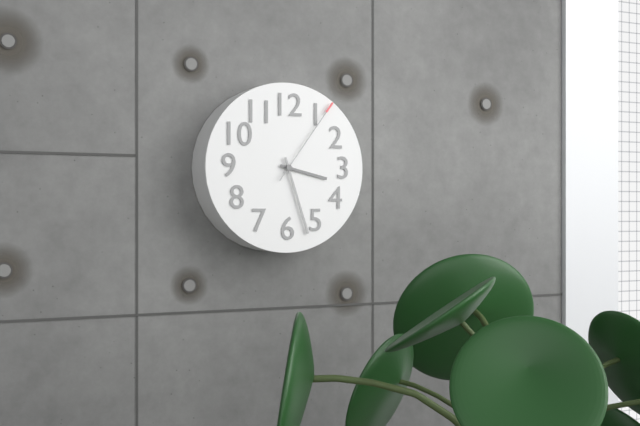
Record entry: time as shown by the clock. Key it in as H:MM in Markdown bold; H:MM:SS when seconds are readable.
**3:27:06**
